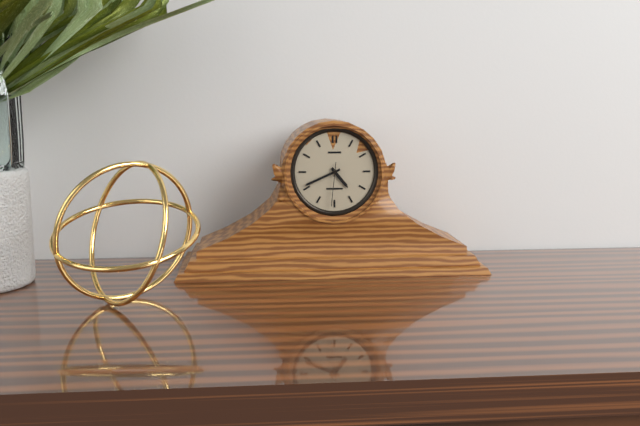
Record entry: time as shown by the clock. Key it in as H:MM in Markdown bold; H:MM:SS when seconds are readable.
**4:41**
